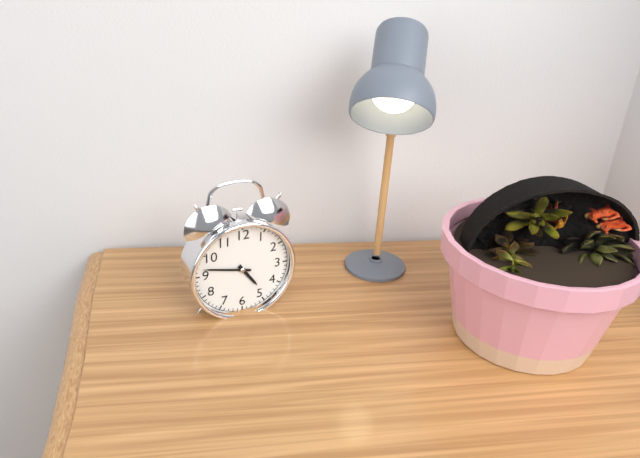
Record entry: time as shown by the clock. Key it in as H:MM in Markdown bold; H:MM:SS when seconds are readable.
**4:47**
